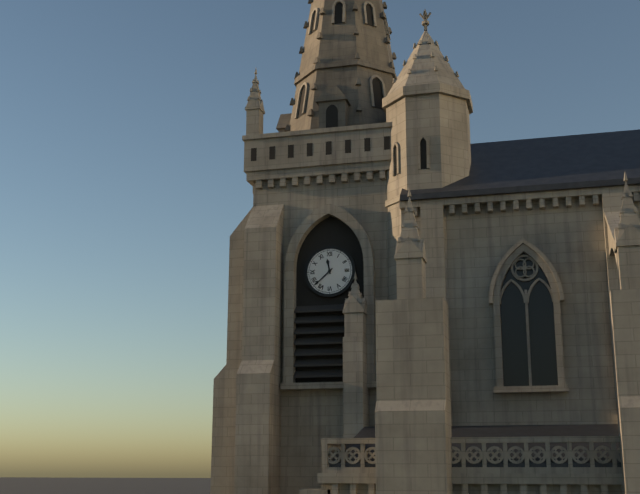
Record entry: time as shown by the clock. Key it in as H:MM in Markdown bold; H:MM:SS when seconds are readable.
**11:38**
